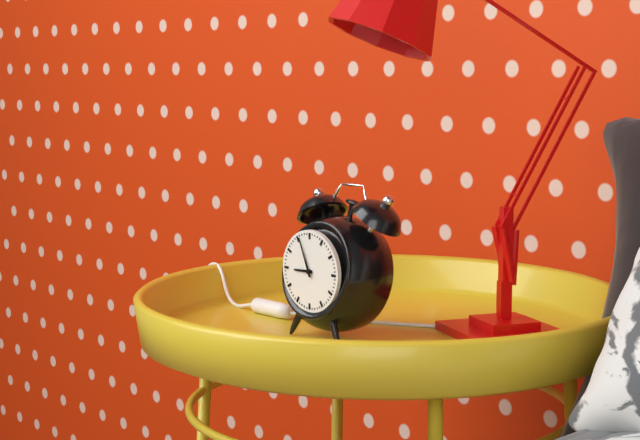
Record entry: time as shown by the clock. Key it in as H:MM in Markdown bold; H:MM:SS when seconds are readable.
**8:56**
